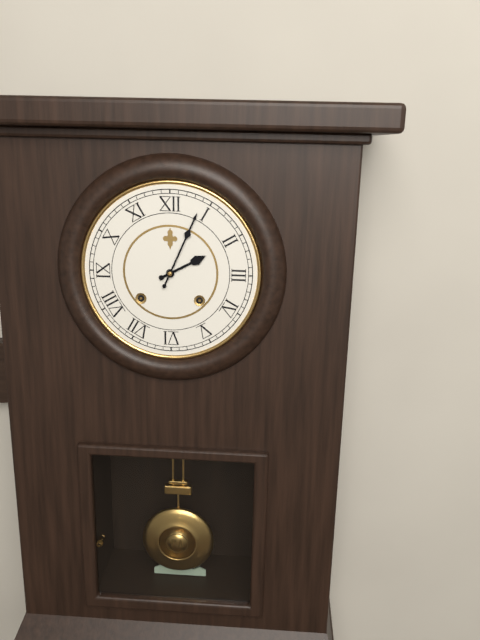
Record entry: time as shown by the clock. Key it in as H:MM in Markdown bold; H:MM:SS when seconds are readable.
**2:04**
